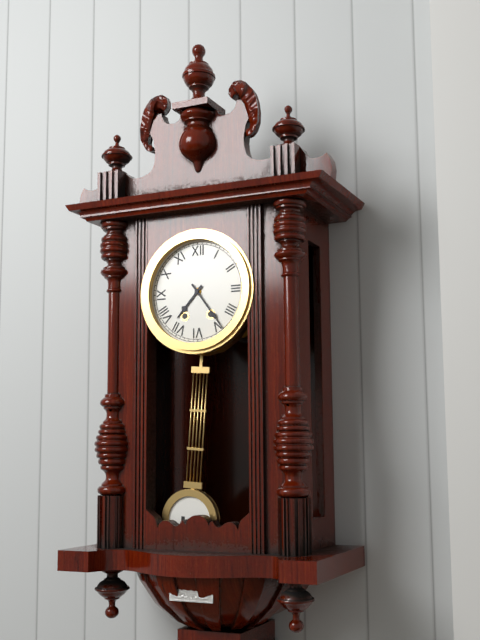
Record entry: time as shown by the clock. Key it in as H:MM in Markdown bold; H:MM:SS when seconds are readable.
**7:24**
